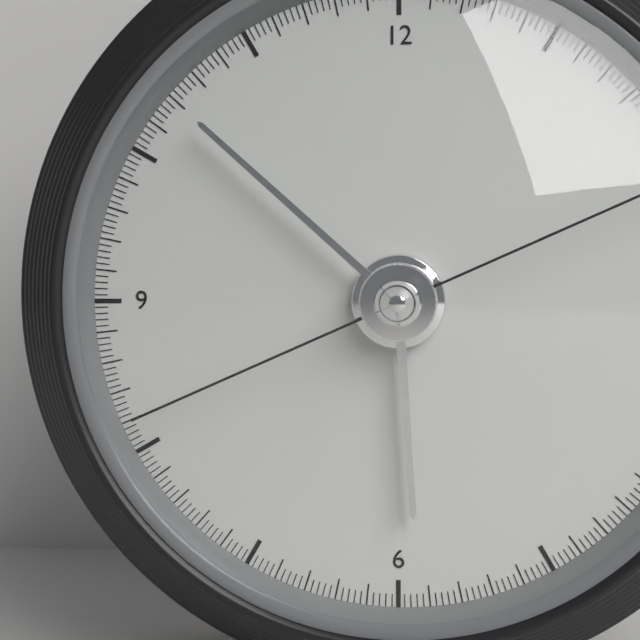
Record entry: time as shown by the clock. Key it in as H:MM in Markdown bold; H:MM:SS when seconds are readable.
**5:52:11**
